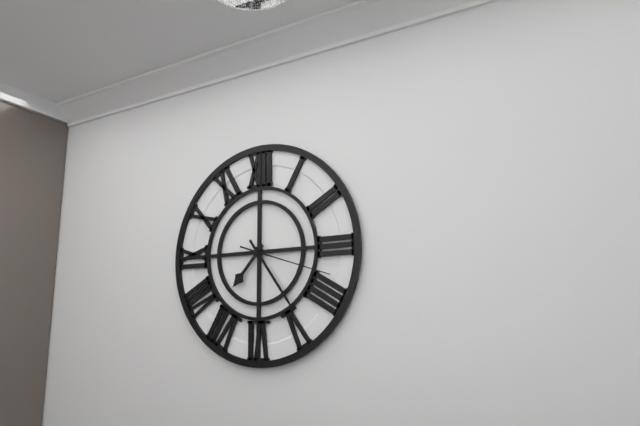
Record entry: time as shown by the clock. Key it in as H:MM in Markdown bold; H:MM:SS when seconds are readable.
**7:24:18**
